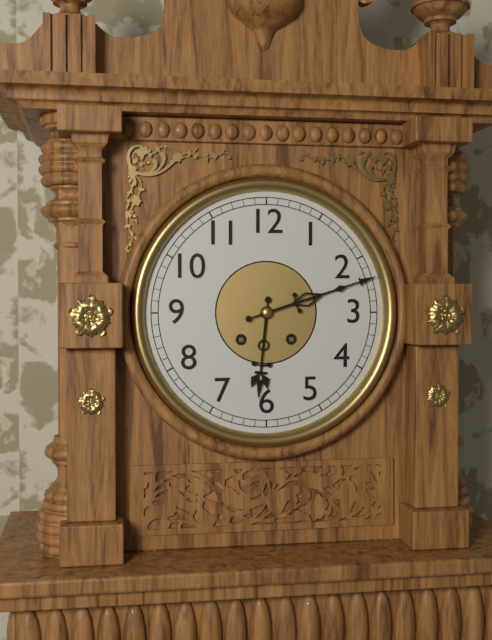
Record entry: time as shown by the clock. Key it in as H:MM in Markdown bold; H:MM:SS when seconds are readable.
**6:12**
